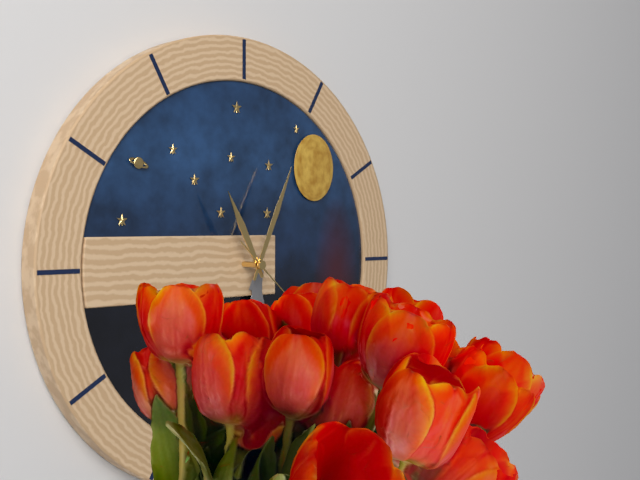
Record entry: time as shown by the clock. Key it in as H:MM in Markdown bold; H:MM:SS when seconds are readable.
**11:04**
